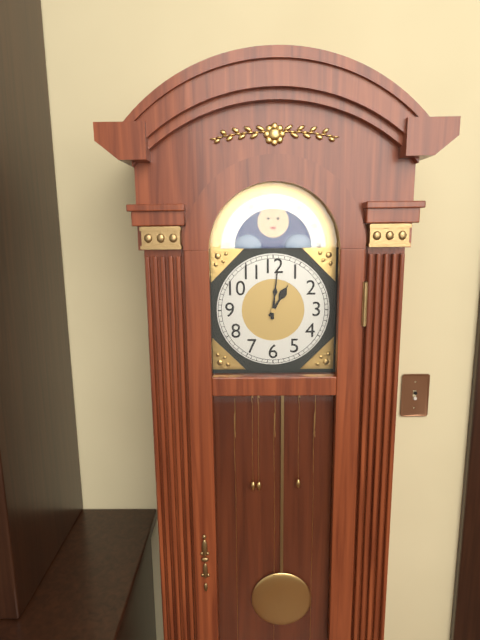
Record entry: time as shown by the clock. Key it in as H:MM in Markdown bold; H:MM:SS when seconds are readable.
**1:01**
